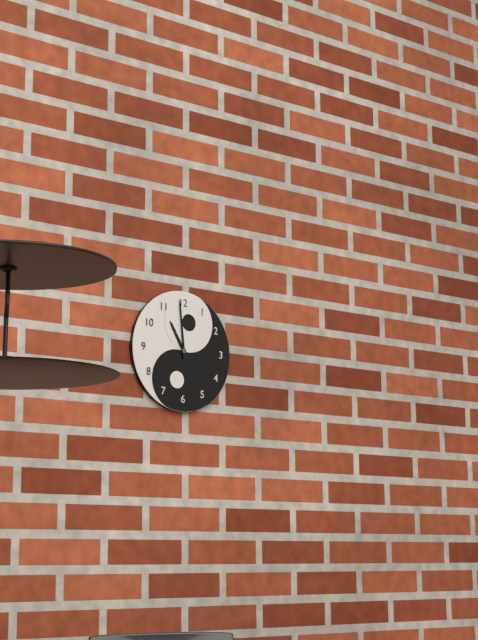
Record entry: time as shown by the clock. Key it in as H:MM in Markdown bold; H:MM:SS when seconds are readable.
**10:59**
